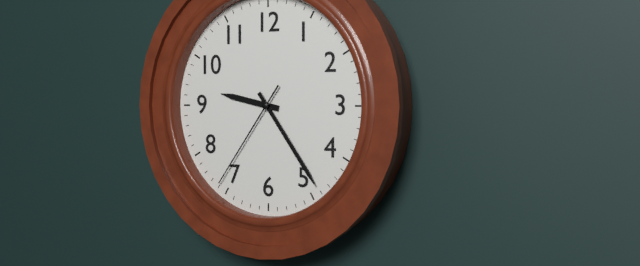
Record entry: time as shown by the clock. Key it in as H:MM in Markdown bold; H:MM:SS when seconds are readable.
**9:24:36**
